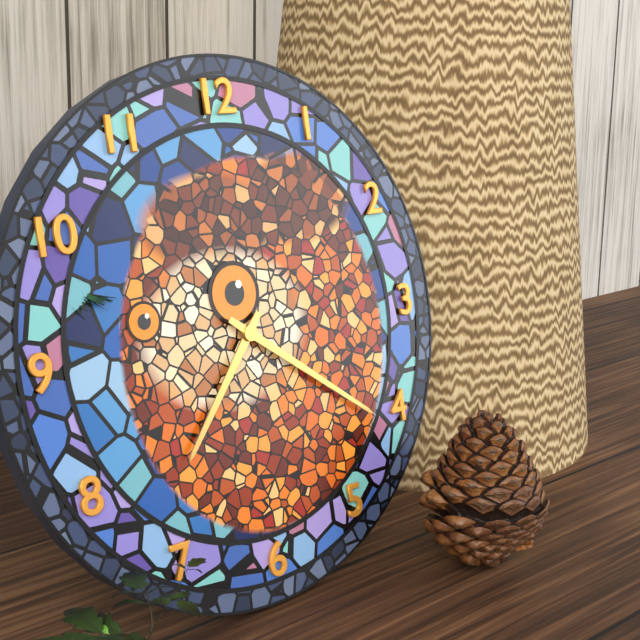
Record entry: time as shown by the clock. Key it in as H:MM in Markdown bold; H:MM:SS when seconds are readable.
**7:21**
